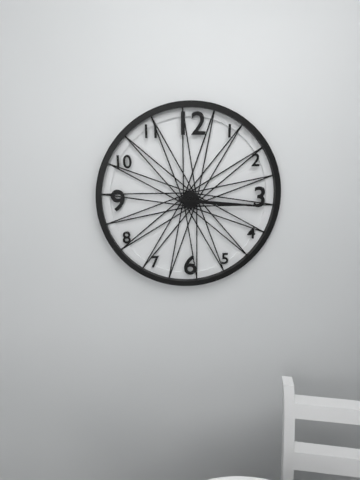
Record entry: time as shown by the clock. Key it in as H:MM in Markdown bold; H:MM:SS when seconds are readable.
**3:16**
